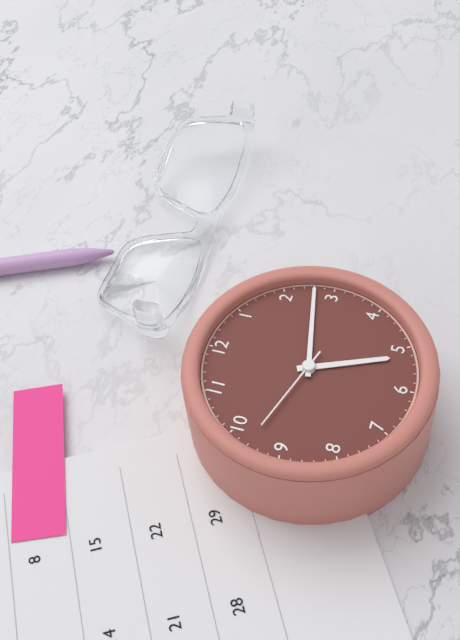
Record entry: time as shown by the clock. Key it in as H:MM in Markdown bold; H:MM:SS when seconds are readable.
**5:13:48**
